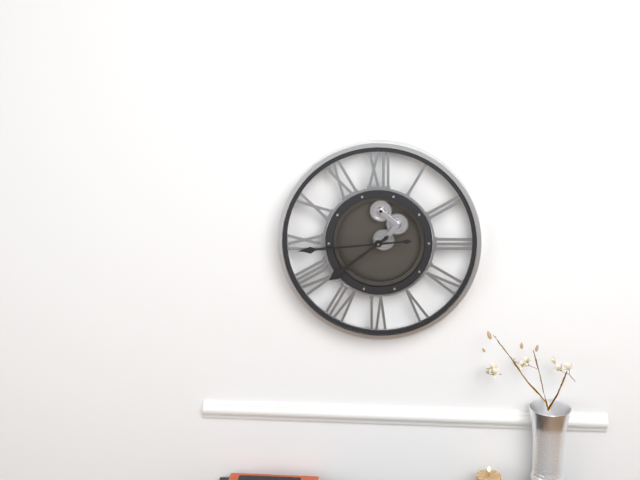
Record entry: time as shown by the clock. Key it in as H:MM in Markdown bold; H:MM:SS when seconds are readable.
**7:44**
